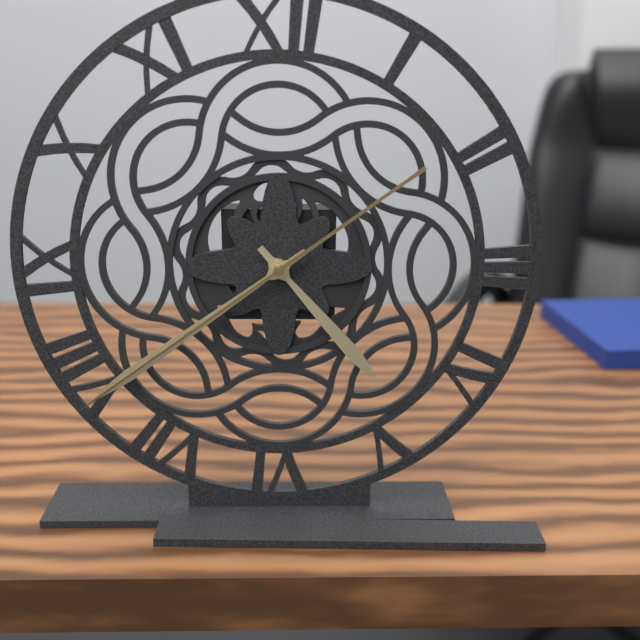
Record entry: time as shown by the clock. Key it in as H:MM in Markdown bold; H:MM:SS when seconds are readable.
**4:39:39**
